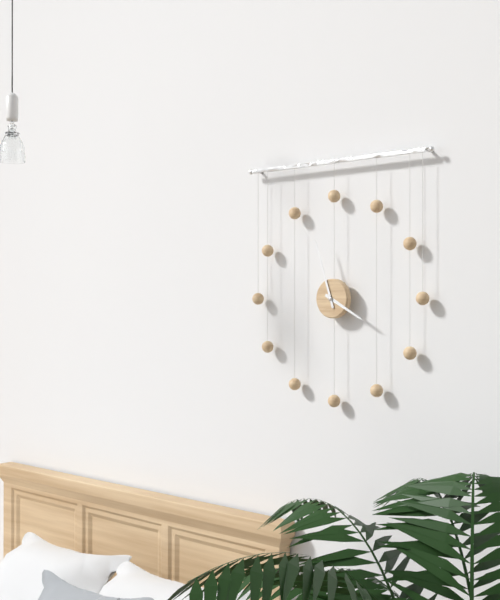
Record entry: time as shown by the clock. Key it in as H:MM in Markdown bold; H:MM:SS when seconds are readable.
**3:57**
